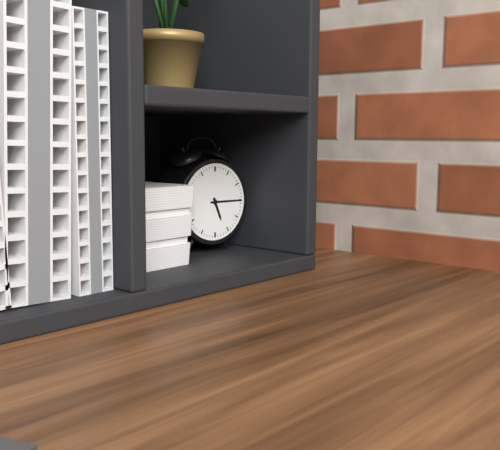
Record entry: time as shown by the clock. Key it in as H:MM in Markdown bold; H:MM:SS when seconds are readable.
**5:15**
